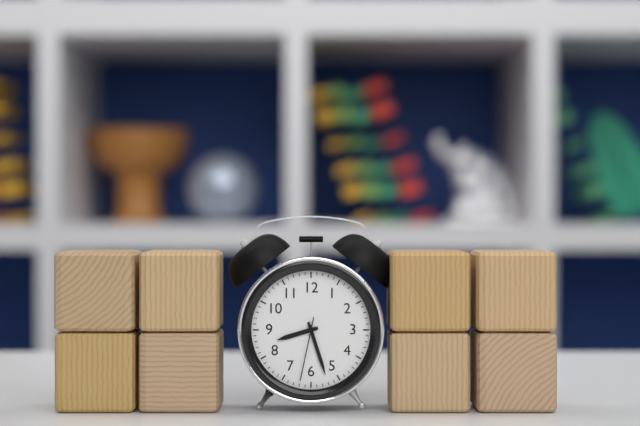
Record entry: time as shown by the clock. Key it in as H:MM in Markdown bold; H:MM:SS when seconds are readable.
**8:27:32**
